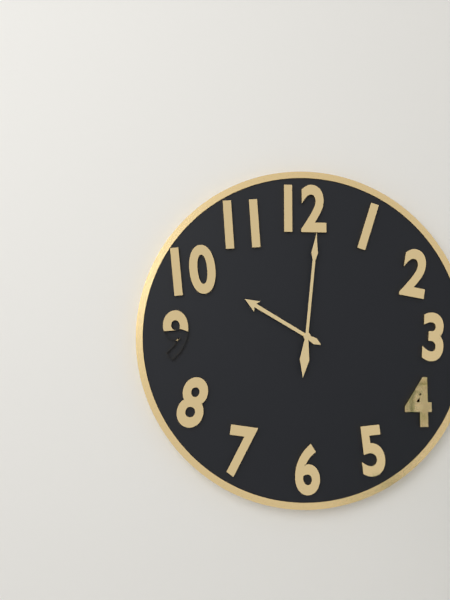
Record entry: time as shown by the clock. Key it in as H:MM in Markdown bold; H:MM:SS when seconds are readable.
**10:01**
